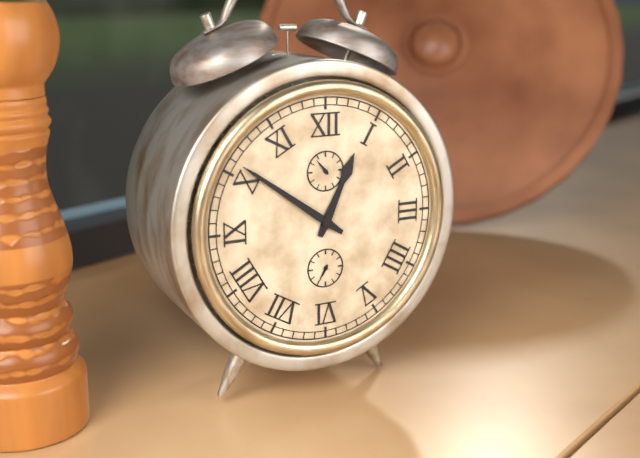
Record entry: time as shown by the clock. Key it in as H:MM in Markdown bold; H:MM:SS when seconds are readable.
**12:51**
